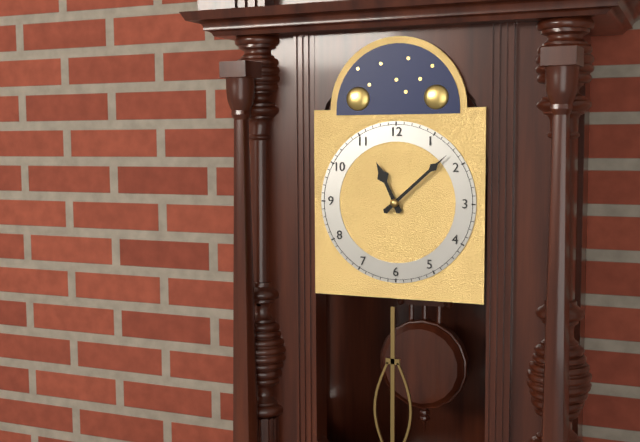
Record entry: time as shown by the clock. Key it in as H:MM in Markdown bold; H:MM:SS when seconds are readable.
**11:08**
